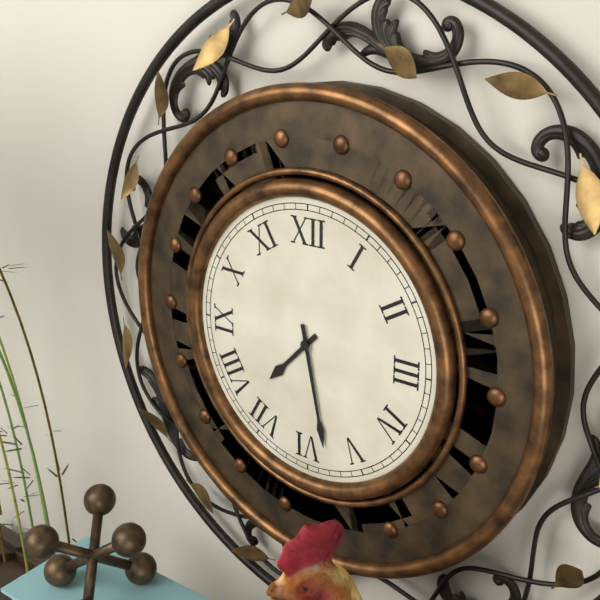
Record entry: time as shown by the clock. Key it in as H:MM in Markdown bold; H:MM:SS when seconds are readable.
**7:28**
